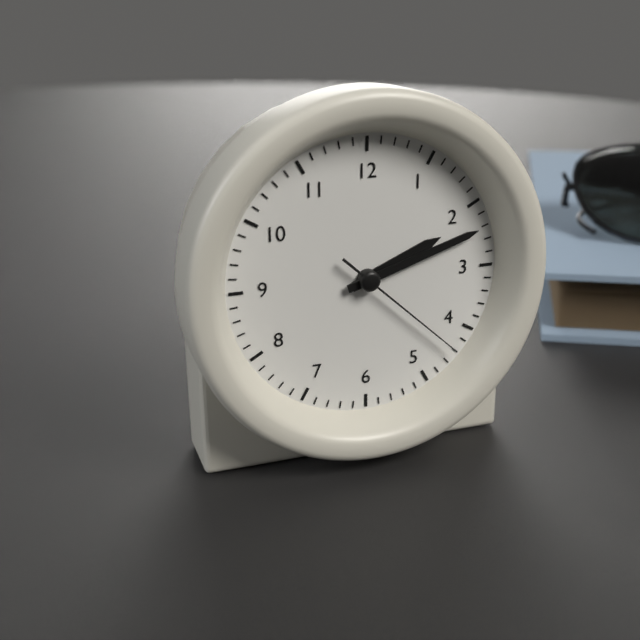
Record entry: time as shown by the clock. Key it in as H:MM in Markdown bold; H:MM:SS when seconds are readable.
**2:12:22**
